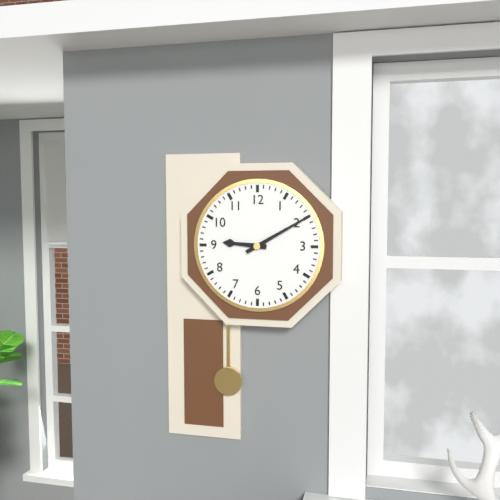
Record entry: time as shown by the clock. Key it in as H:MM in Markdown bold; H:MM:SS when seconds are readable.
**9:10**
